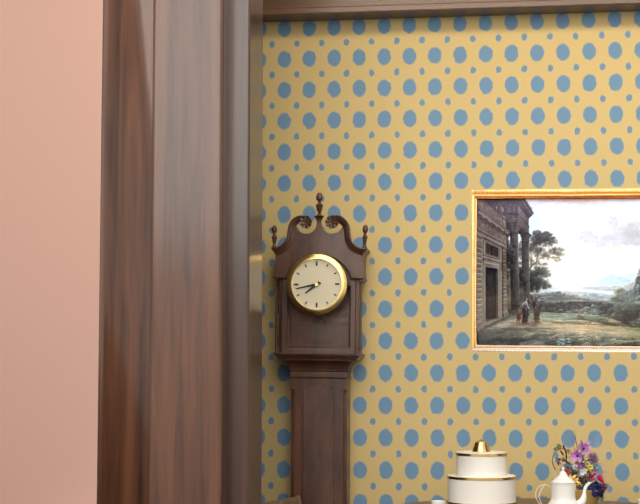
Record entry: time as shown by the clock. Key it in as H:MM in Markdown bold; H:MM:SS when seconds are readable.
**7:43**
